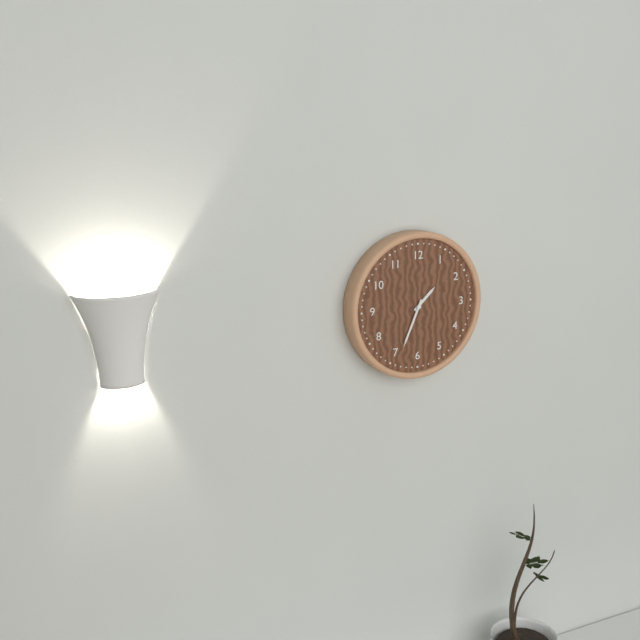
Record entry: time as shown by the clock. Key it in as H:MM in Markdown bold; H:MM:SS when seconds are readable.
**1:34**
